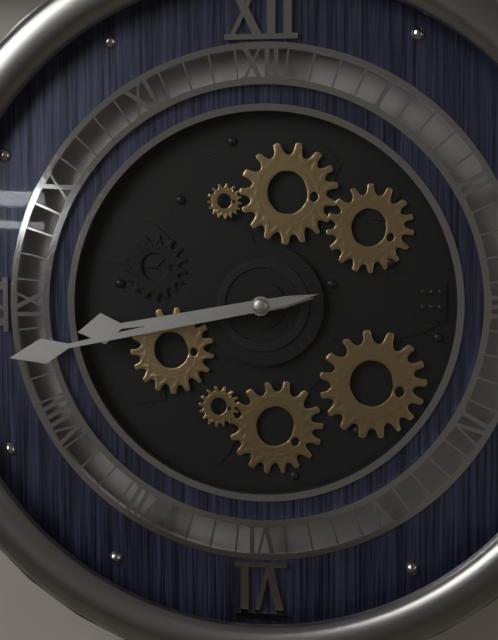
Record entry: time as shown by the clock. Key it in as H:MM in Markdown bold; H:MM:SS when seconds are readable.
**8:43**
